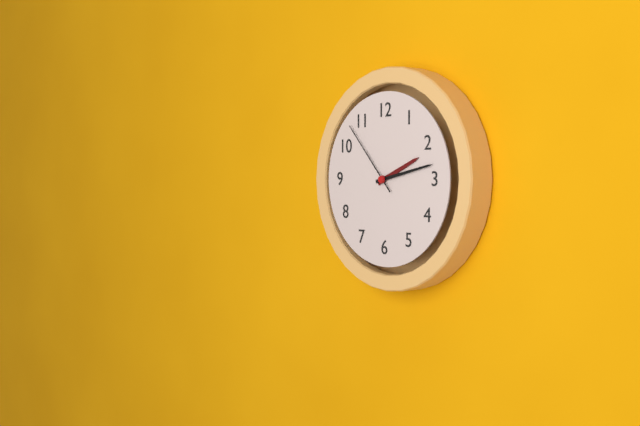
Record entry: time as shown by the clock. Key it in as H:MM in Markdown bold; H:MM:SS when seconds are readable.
**2:13:53**
